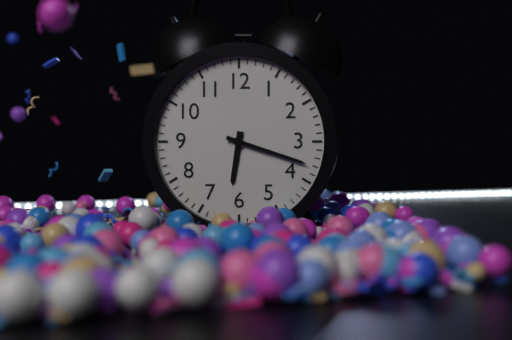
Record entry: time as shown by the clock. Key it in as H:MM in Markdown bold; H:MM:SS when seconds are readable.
**6:18**
